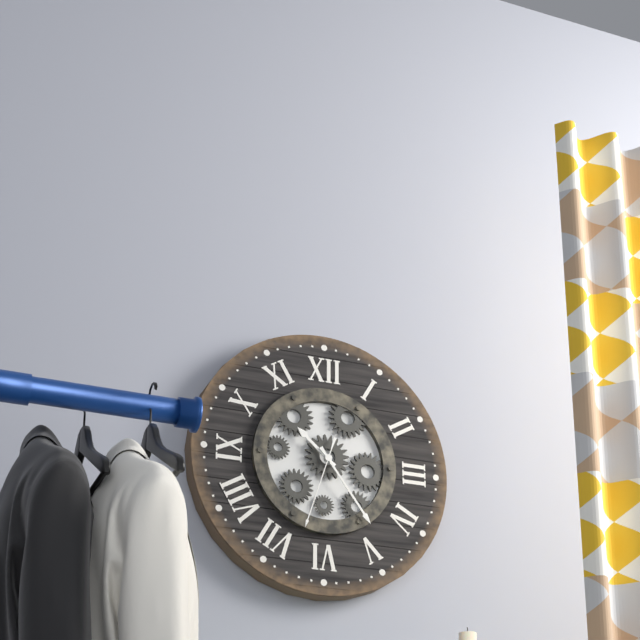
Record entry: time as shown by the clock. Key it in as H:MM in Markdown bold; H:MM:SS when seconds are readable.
**10:24:33**
